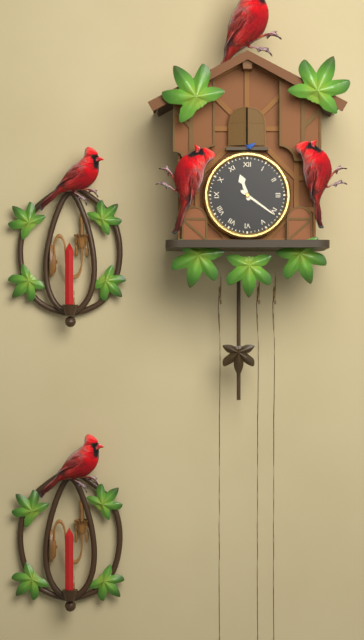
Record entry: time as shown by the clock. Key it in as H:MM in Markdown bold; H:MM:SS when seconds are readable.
**11:21**
